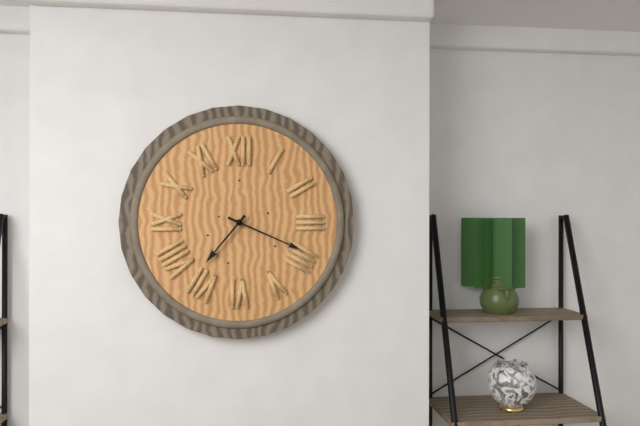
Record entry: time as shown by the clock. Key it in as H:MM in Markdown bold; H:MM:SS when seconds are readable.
**7:19**
